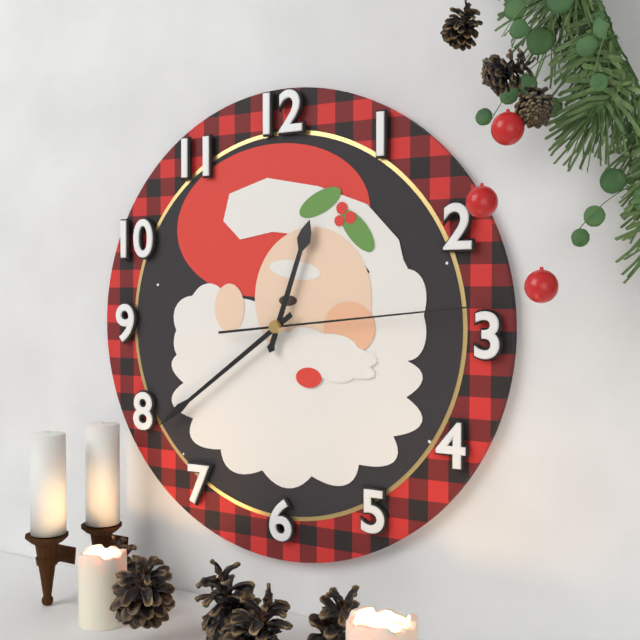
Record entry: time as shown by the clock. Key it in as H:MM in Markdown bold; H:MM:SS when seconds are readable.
**12:39:14**
